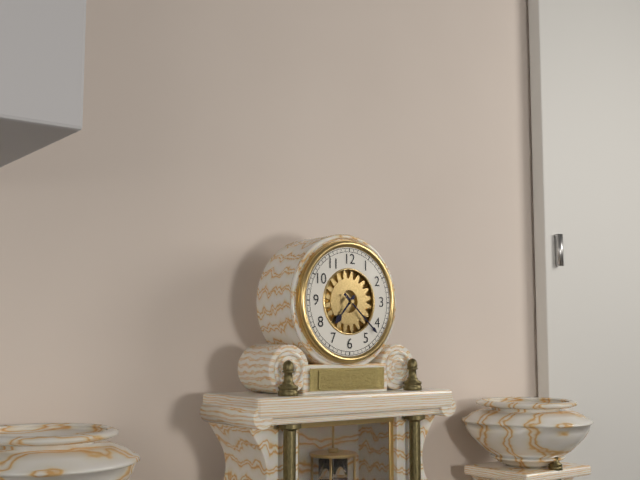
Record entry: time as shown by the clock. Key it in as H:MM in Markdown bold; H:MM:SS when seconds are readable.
**7:22**
